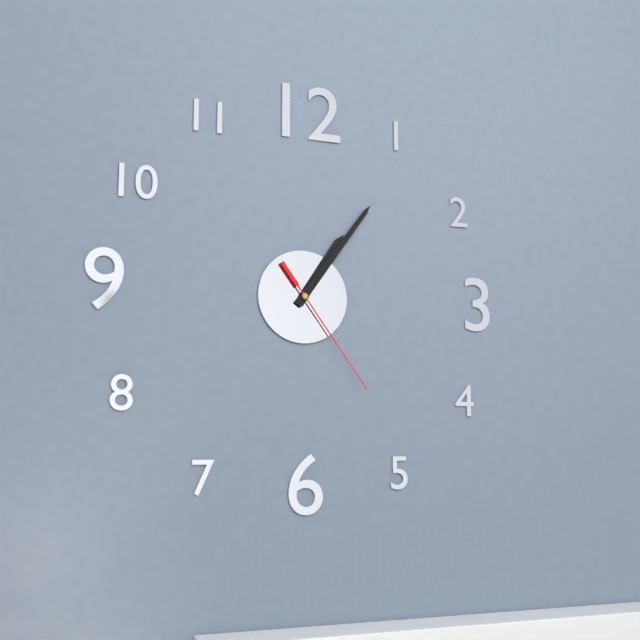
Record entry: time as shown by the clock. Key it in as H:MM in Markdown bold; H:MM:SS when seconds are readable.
**1:06:24**
